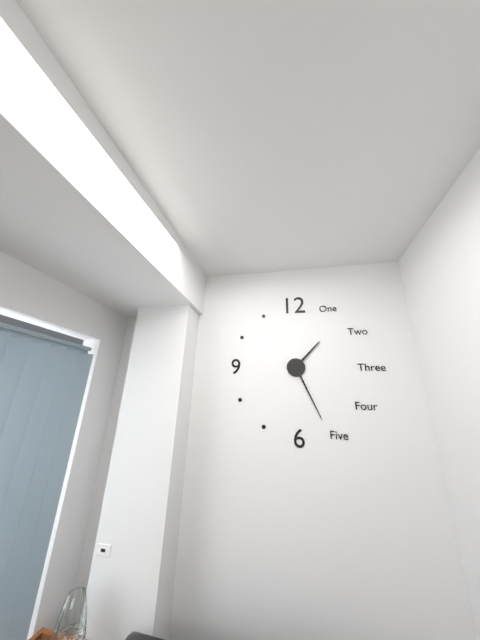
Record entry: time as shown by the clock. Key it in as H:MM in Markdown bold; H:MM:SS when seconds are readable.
**1:26**
